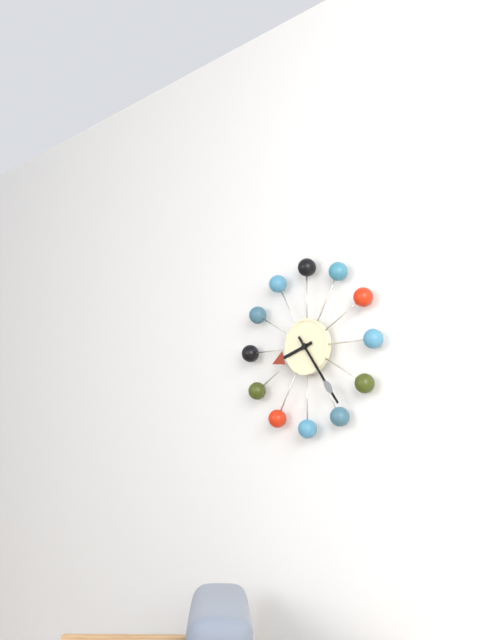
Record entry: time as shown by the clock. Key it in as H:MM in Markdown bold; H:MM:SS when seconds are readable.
**8:24**
